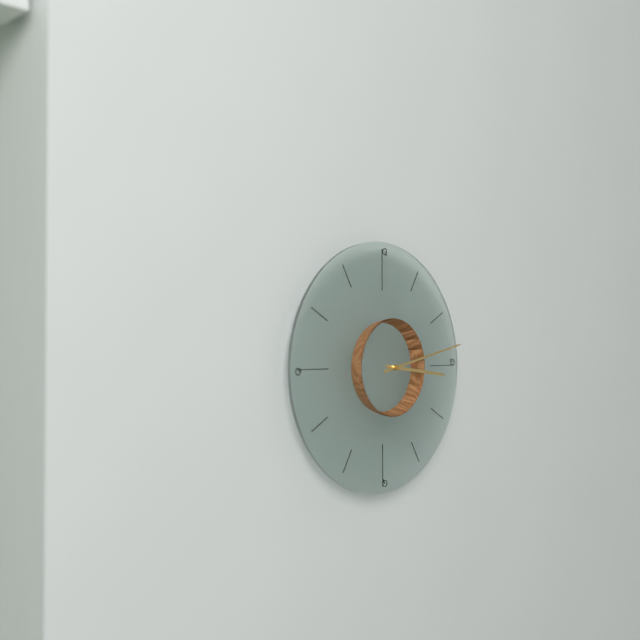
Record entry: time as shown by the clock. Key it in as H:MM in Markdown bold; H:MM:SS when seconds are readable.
**3:13**
